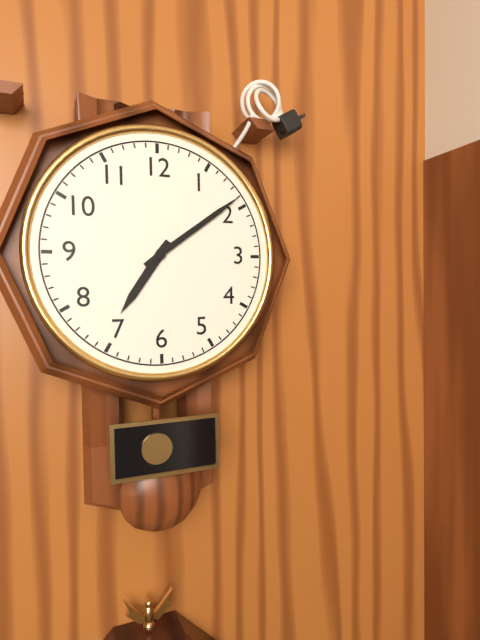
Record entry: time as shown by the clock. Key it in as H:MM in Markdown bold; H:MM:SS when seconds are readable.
**7:09**
